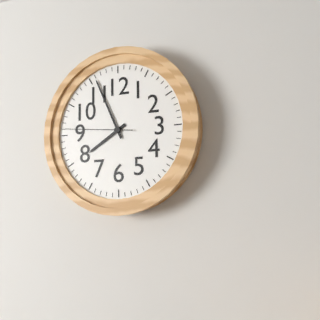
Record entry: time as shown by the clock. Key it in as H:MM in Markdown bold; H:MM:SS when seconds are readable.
**7:56:46**
